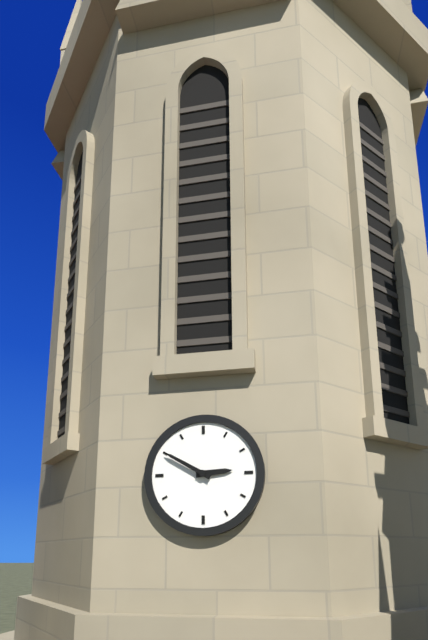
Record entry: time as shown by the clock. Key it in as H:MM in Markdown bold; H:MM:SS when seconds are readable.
**2:50**
